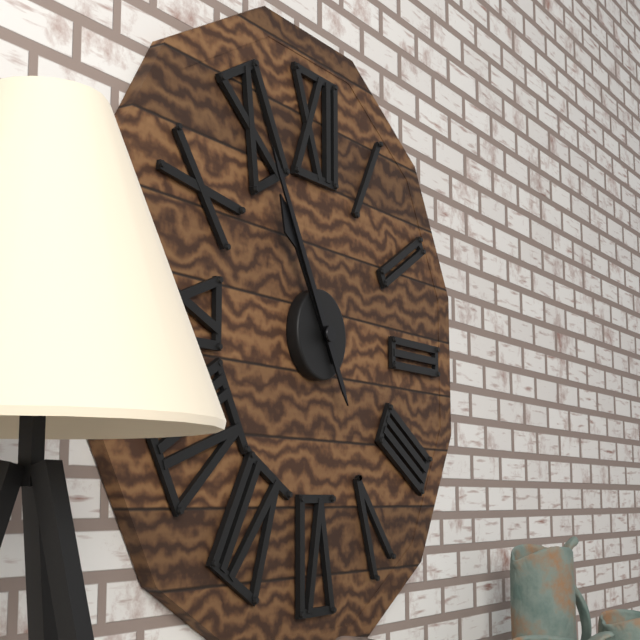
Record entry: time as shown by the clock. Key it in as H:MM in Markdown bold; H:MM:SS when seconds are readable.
**10:55**
